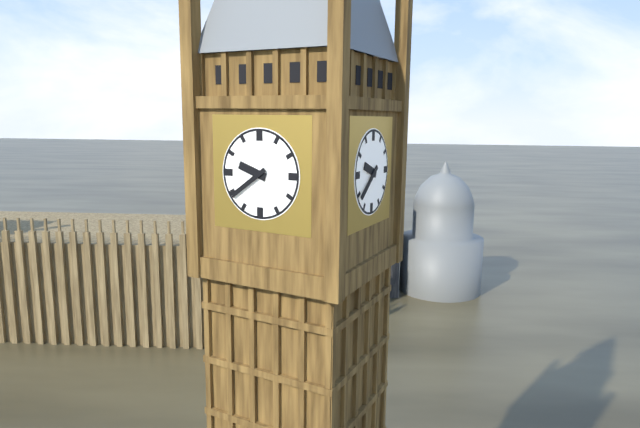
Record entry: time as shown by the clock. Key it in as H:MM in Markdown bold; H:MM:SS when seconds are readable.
**9:39**
